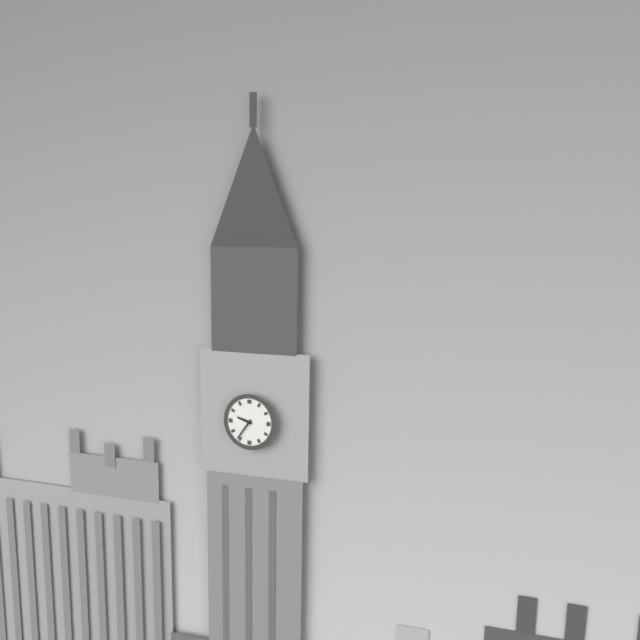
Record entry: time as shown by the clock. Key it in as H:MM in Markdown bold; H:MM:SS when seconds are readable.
**9:36**
